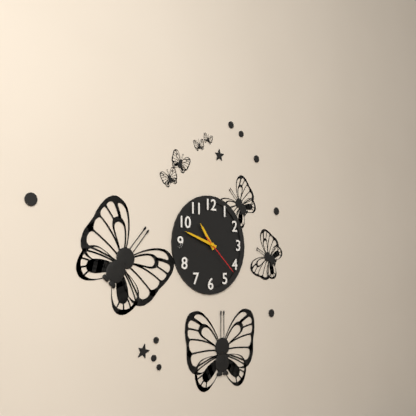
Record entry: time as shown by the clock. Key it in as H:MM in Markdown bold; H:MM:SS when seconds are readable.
**10:48**
